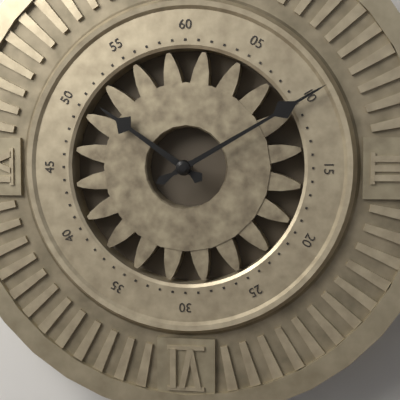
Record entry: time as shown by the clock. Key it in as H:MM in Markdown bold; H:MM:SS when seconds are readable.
**10:10**
